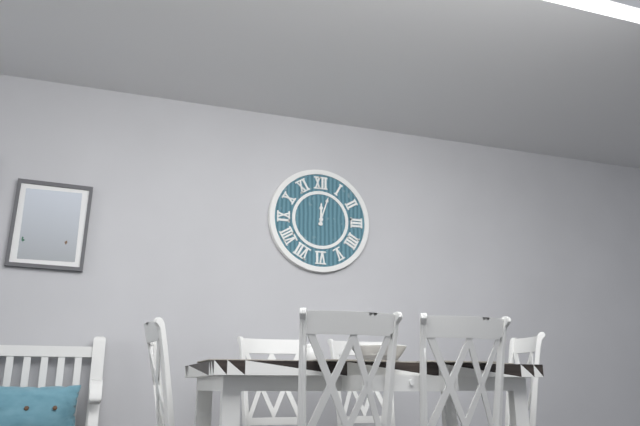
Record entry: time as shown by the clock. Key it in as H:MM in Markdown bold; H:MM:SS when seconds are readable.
**12:03**
